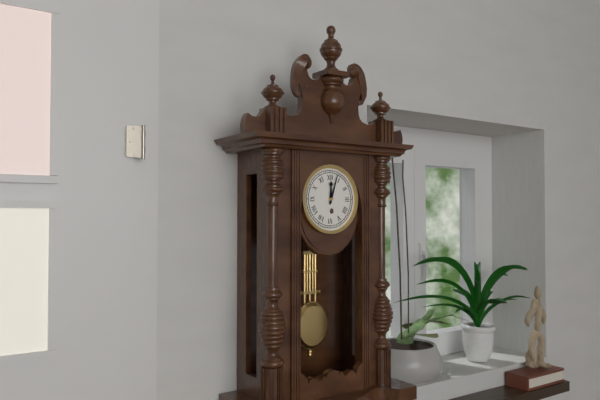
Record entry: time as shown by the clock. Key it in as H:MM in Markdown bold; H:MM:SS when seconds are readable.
**12:03**
